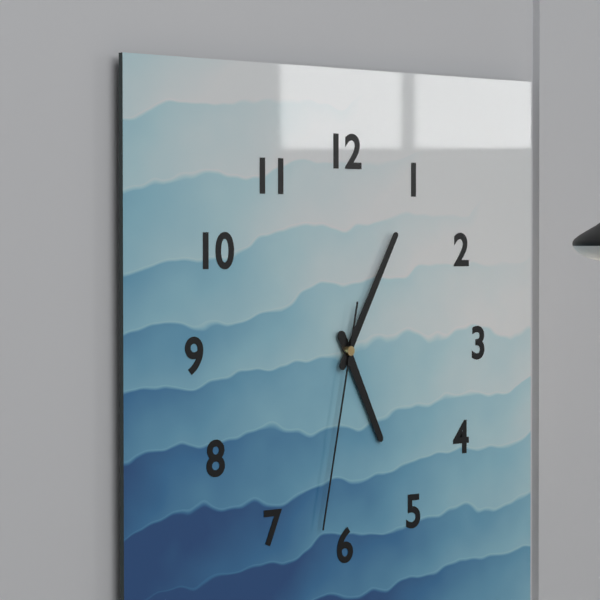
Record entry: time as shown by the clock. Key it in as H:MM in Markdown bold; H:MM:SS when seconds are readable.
**5:05:32**
